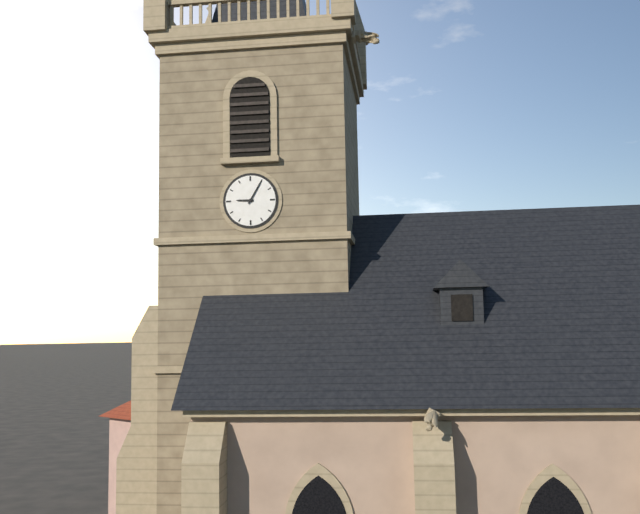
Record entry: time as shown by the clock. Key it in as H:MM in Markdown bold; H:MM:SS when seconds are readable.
**9:05**
